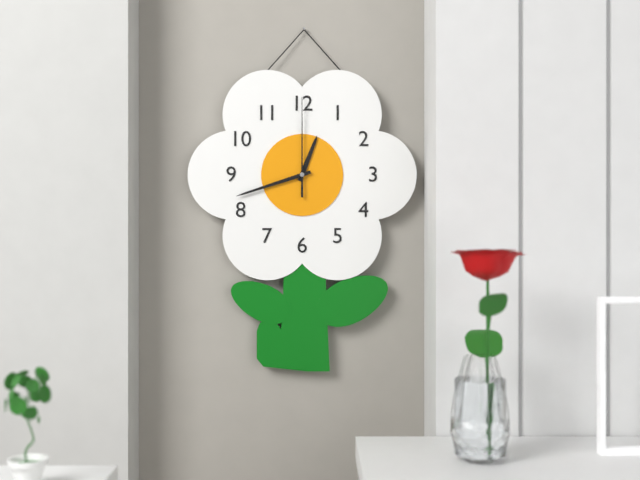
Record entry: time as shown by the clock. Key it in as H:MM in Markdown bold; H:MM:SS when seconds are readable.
**12:42:00**
